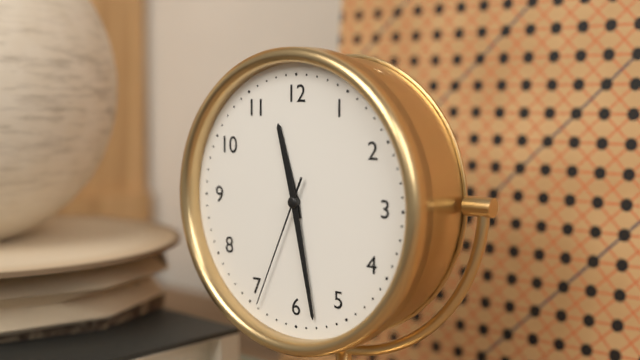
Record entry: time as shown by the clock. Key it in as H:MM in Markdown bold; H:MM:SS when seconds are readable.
**11:28:34**
